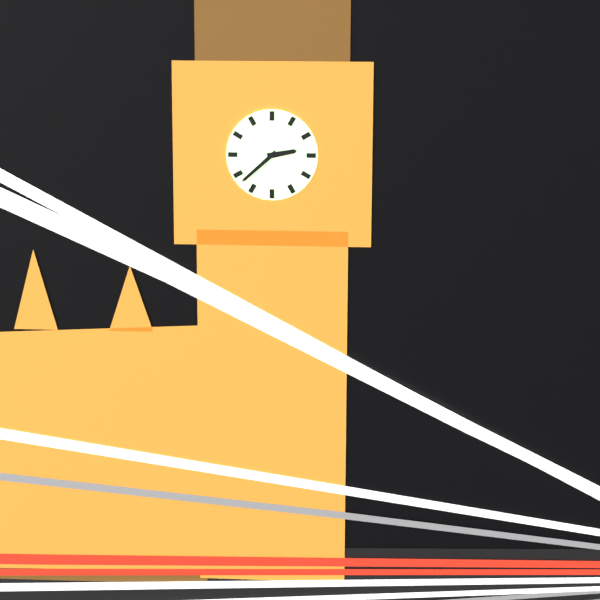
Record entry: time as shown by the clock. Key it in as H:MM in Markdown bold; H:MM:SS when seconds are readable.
**2:38**
